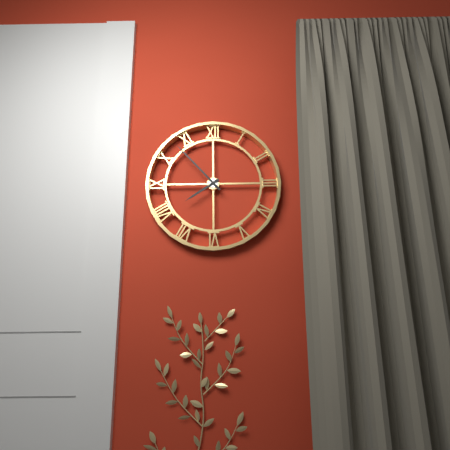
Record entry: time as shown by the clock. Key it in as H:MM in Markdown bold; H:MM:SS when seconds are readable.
**7:53**
